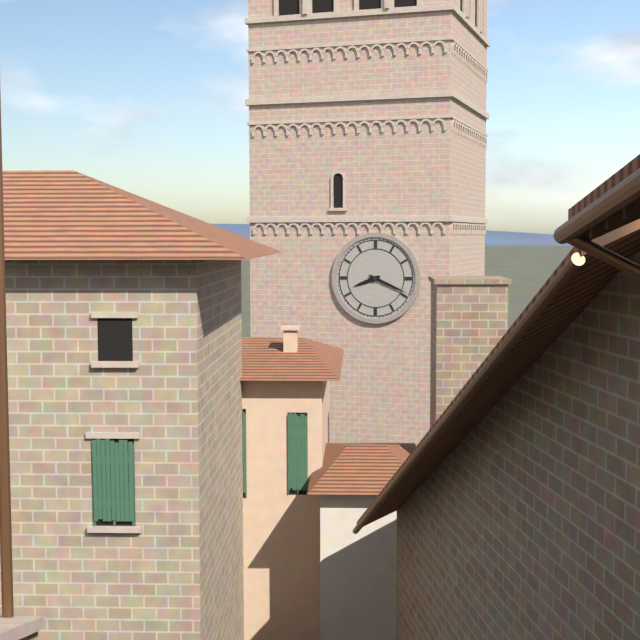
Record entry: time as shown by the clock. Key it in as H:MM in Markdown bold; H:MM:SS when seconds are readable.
**8:19**
